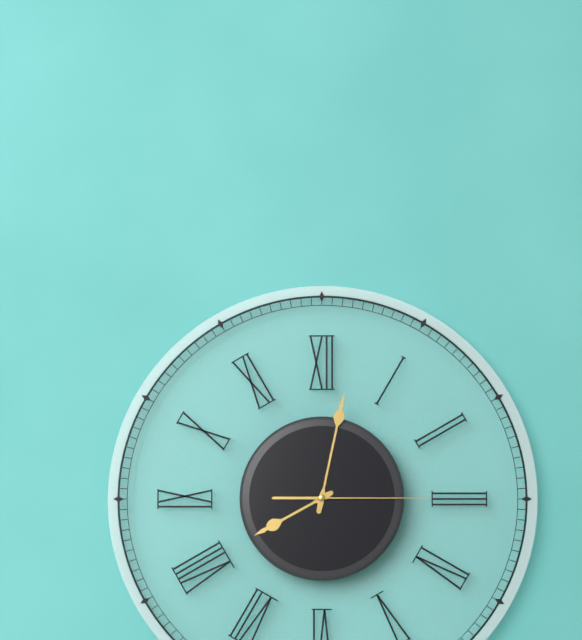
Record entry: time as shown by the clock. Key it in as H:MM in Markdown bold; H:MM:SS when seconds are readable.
**8:02:15**
